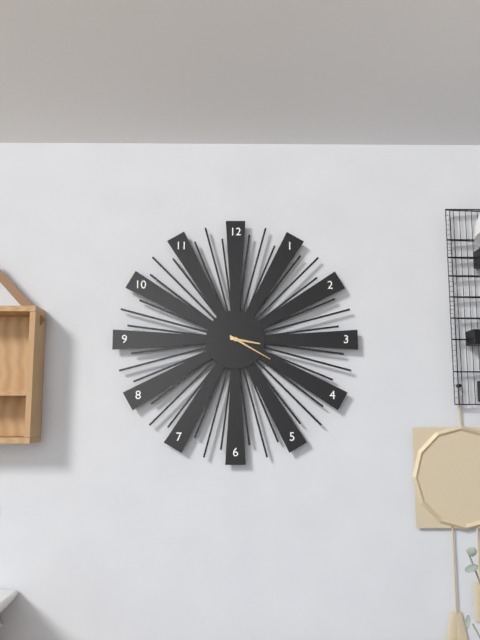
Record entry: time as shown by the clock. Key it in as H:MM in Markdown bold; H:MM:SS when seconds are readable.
**3:20**
